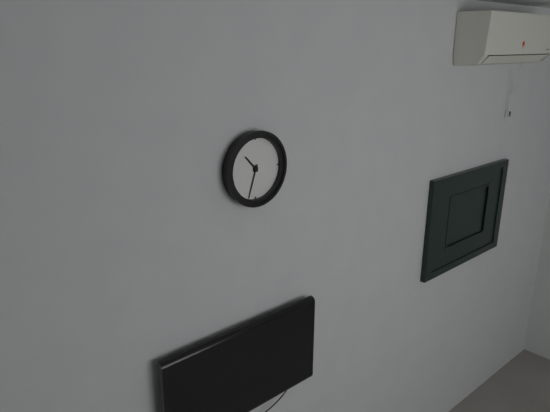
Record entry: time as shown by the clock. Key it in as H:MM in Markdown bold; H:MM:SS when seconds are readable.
**10:33**
